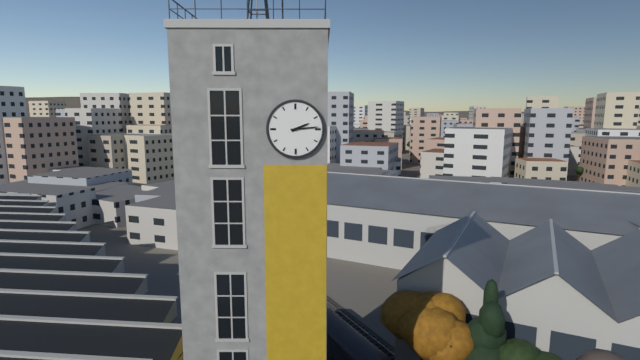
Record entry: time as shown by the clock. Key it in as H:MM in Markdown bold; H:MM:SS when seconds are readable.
**2:14**
